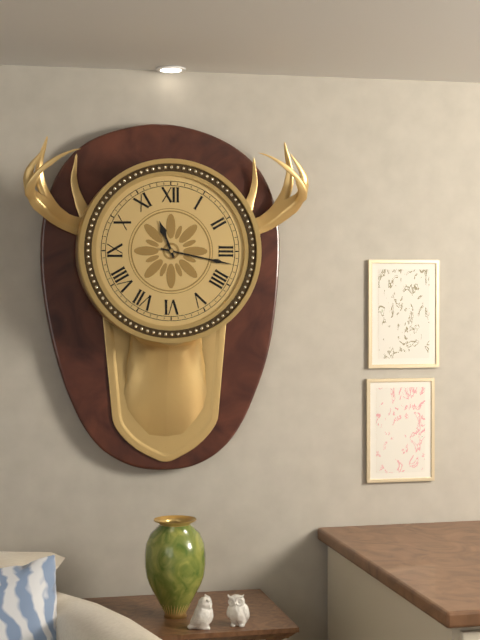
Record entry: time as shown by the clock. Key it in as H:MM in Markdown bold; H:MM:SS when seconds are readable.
**11:17**
